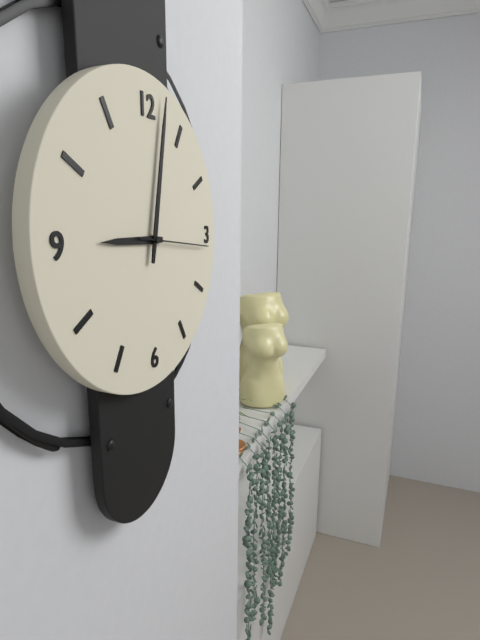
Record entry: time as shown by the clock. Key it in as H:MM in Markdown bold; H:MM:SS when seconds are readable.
**9:02:16**
